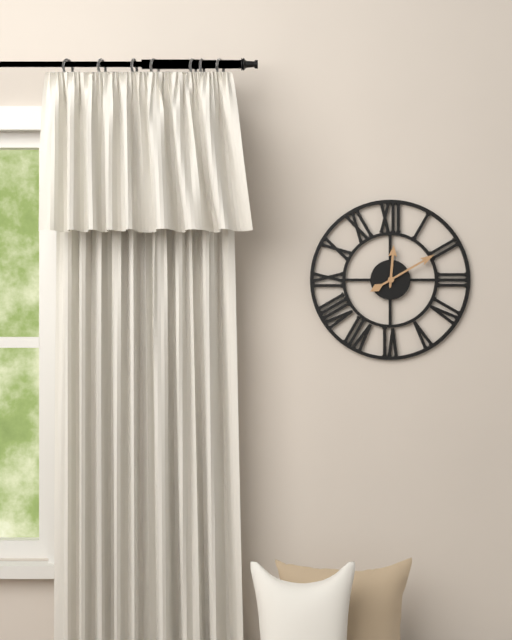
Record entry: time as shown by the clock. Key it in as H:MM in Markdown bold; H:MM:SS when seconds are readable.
**12:10**
